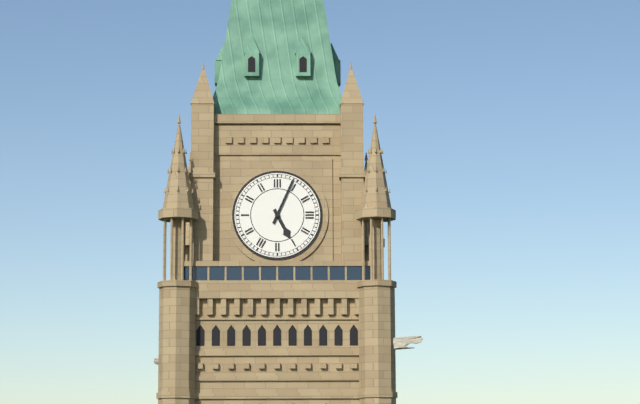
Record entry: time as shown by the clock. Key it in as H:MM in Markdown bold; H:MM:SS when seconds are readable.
**5:04**
